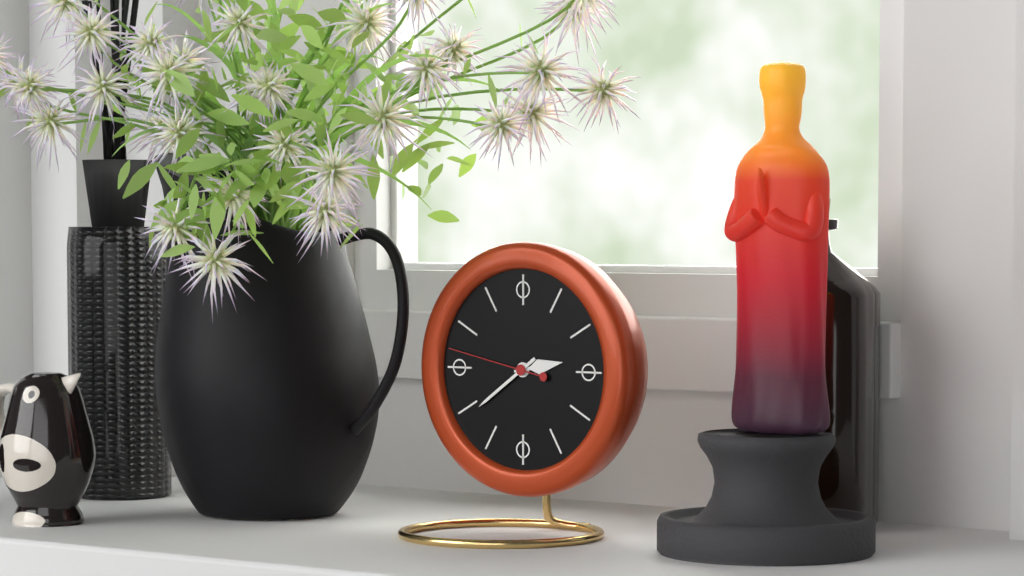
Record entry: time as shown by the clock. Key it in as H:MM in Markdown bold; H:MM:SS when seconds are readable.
**2:39:47**
